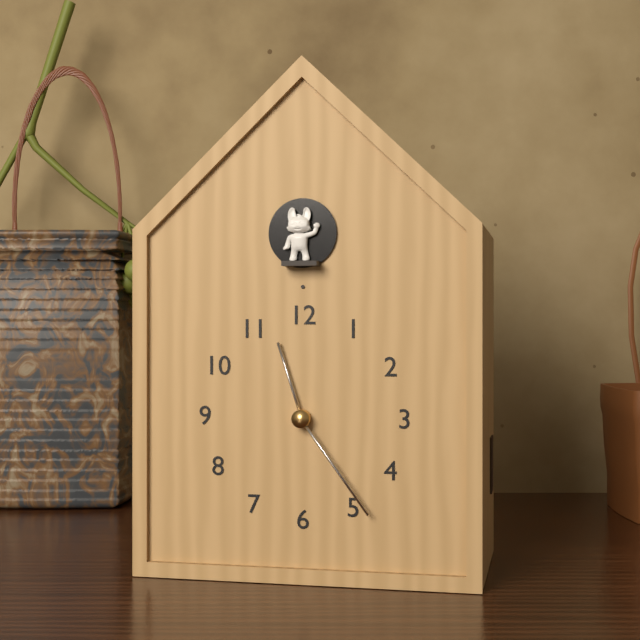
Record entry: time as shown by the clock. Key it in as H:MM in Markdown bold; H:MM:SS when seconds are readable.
**11:24**
